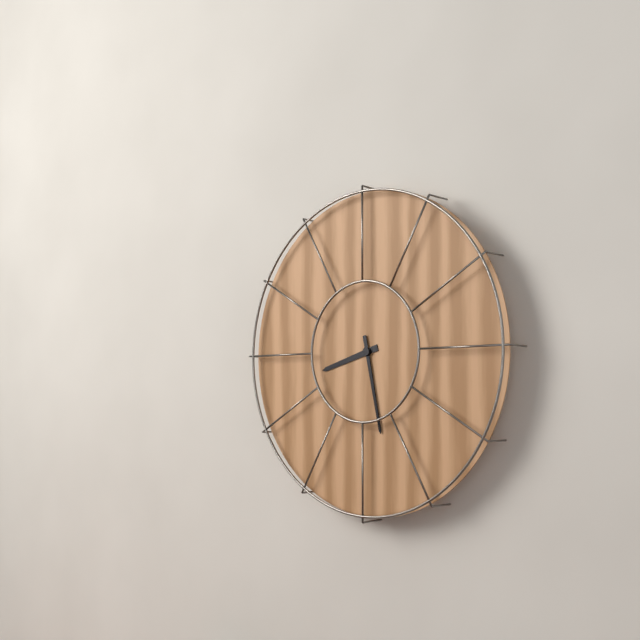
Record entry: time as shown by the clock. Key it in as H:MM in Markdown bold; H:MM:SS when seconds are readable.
**8:28**
